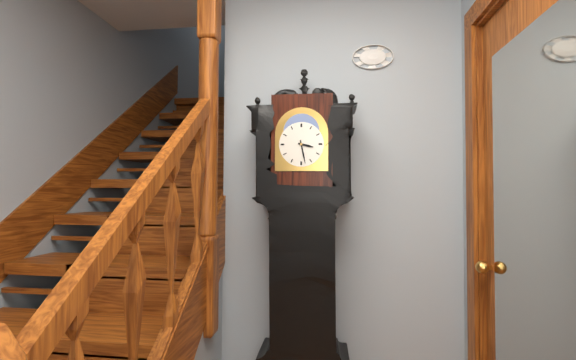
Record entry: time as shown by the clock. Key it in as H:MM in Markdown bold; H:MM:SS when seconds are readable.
**3:28**
